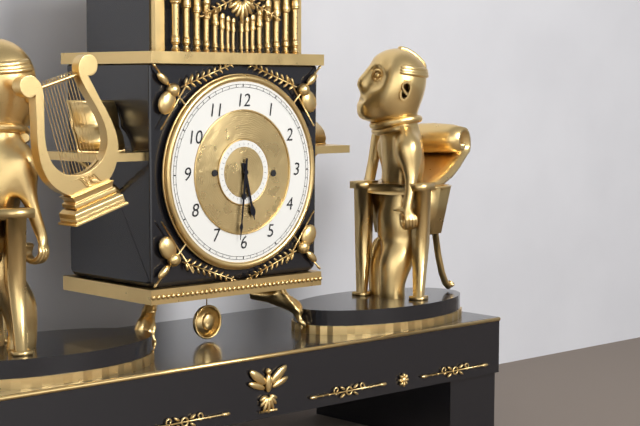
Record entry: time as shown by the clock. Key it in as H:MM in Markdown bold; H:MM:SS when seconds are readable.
**5:31**
